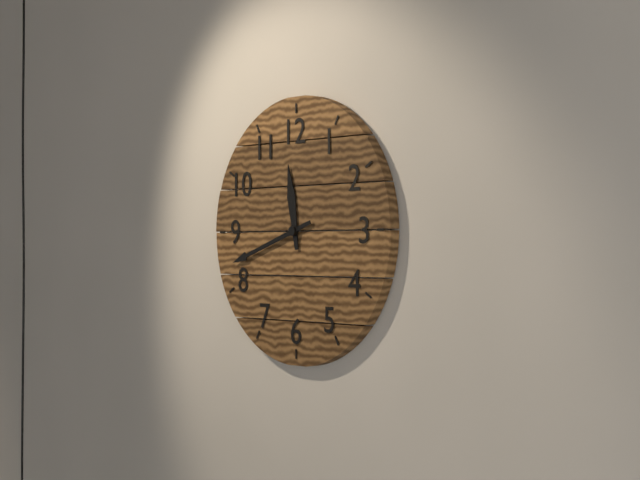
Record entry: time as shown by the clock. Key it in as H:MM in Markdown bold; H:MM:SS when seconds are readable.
**11:42**
